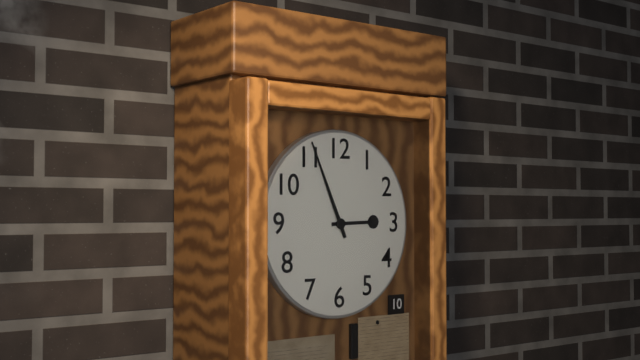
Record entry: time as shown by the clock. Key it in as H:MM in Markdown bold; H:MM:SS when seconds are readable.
**2:56**
